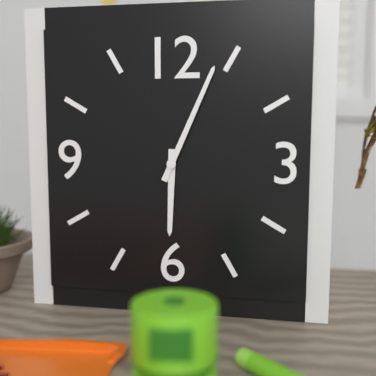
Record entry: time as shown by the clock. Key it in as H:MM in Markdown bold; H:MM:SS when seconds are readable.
**6:04**
